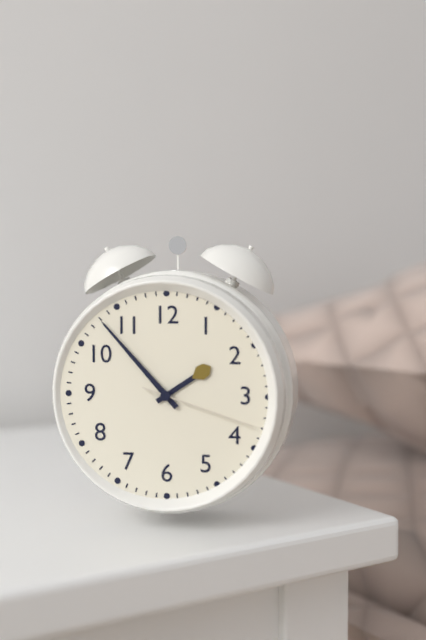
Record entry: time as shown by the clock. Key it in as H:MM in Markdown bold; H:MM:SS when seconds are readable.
**1:53:18**
